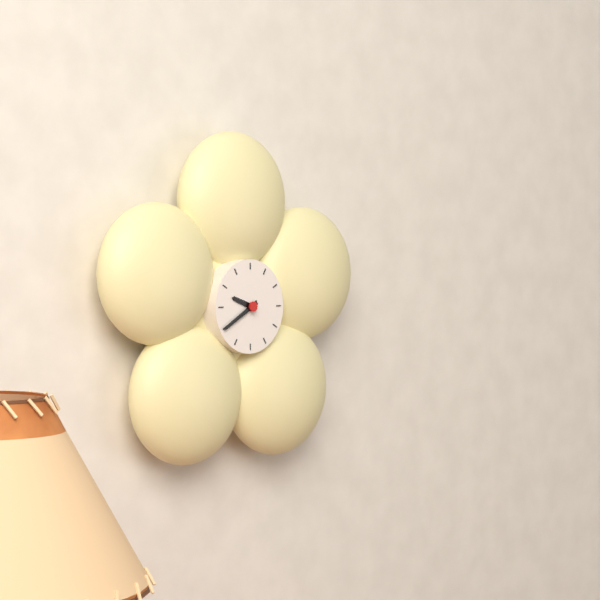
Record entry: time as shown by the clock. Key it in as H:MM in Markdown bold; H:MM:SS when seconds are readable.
**9:40**
